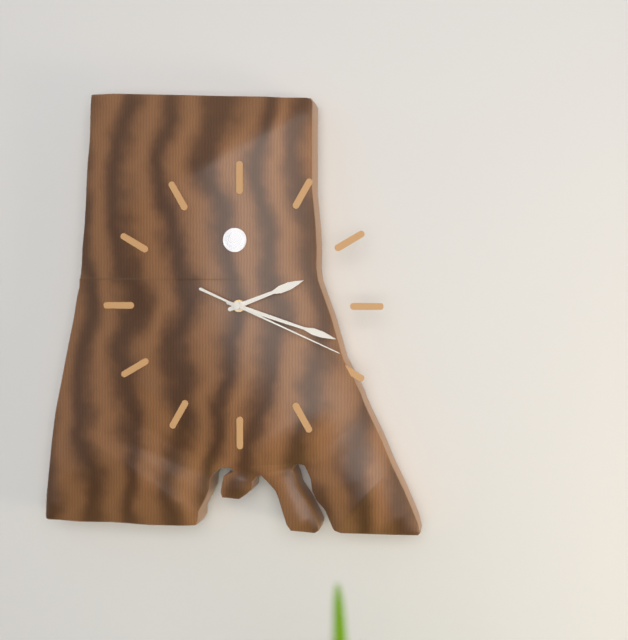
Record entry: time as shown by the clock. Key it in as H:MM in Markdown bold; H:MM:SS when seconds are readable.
**2:18:19**
